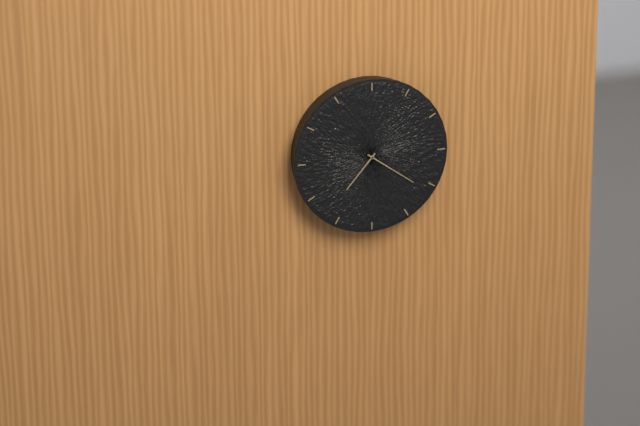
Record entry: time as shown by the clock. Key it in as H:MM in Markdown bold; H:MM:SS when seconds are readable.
**7:21**
